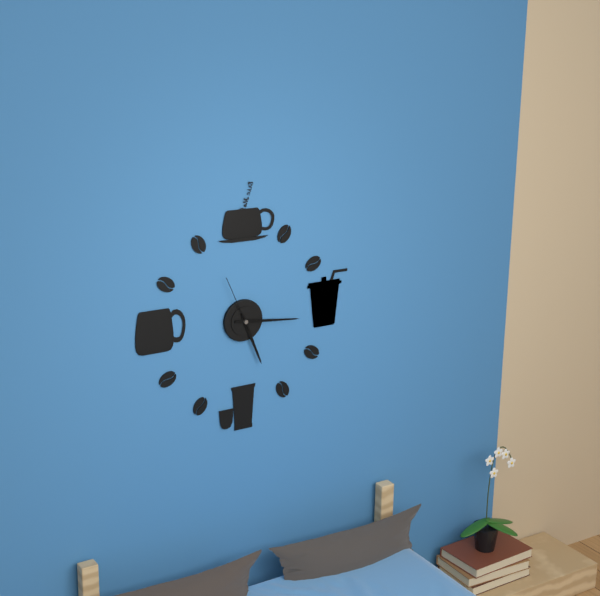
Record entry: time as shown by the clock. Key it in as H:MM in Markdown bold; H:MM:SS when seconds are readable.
**5:16:56**
